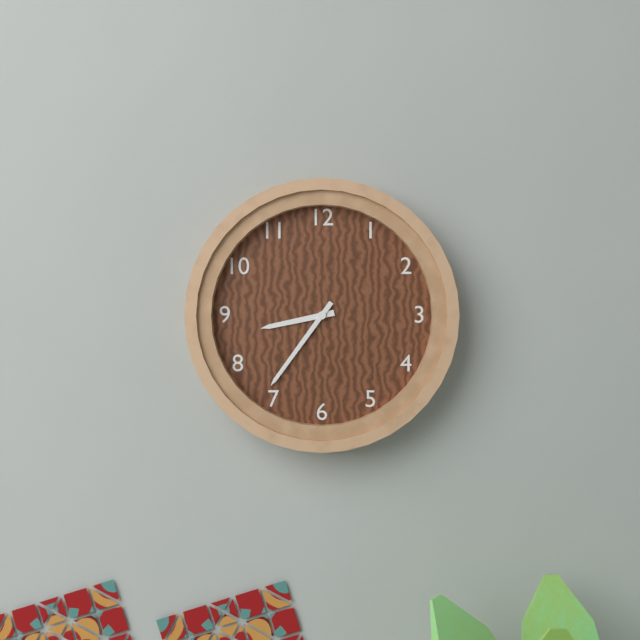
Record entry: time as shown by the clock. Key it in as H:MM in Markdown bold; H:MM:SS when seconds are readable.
**8:36**
